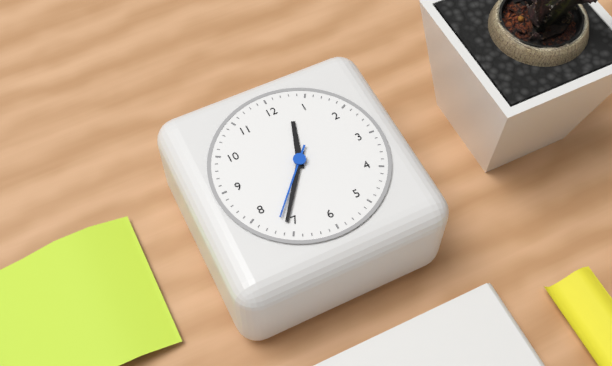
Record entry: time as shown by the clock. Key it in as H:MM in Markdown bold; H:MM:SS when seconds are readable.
**12:36:37**
